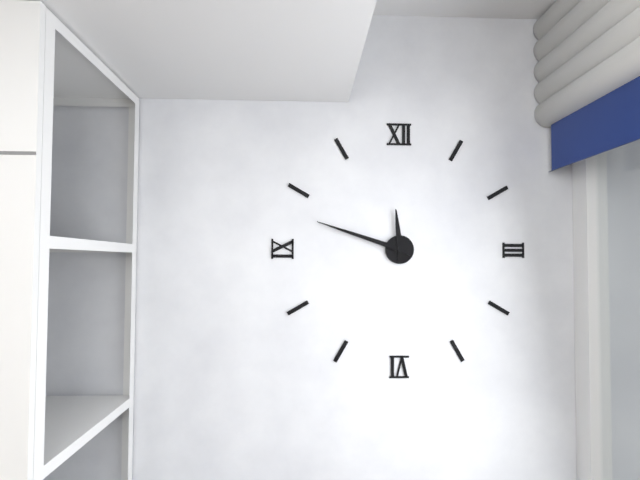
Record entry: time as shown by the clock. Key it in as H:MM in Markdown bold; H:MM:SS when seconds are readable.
**11:48**
